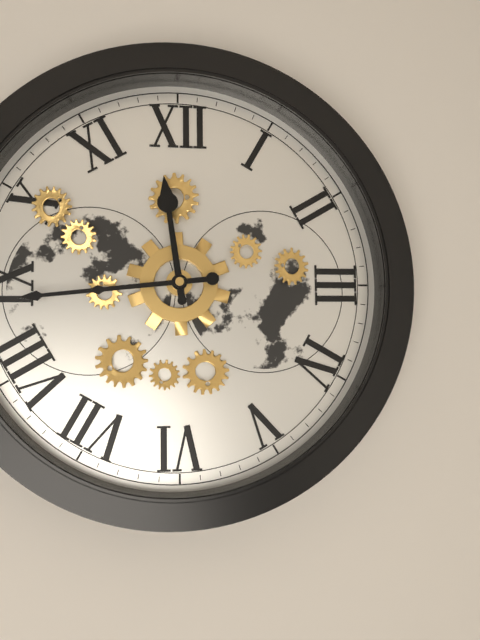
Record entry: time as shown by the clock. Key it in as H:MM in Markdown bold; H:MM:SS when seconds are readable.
**11:44**
